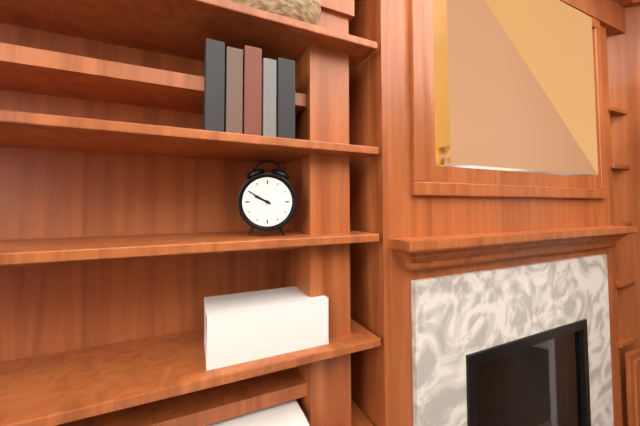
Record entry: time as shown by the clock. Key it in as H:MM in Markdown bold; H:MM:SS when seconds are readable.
**9:50**
